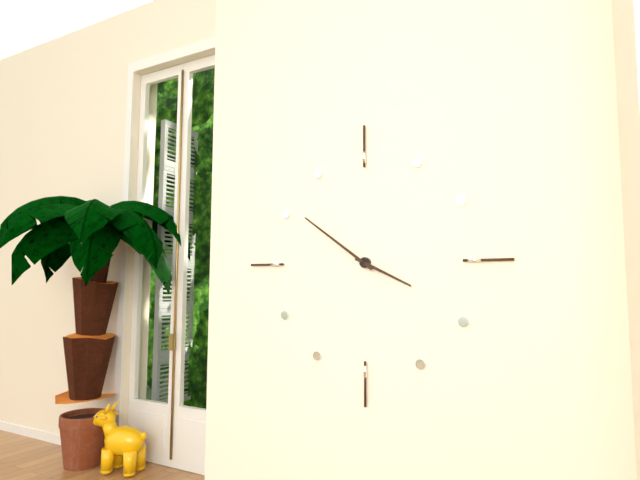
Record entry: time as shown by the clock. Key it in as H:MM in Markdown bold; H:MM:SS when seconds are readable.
**3:51**
